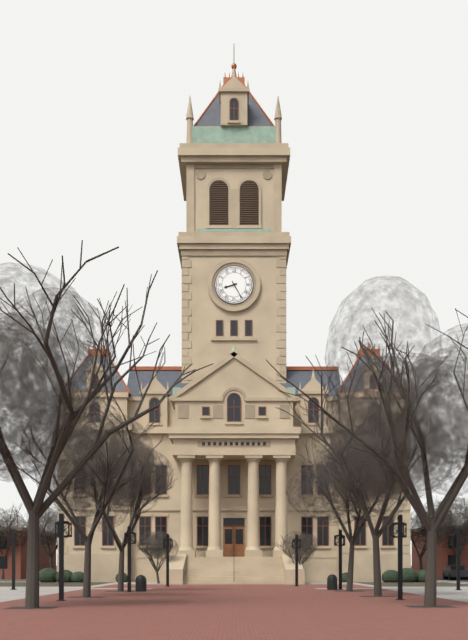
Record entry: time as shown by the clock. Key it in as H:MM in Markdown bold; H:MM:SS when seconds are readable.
**8:25**
